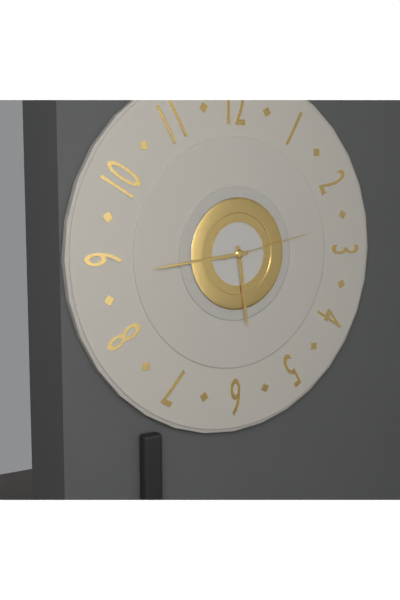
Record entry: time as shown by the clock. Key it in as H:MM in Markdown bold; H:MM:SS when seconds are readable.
**5:44:13**
